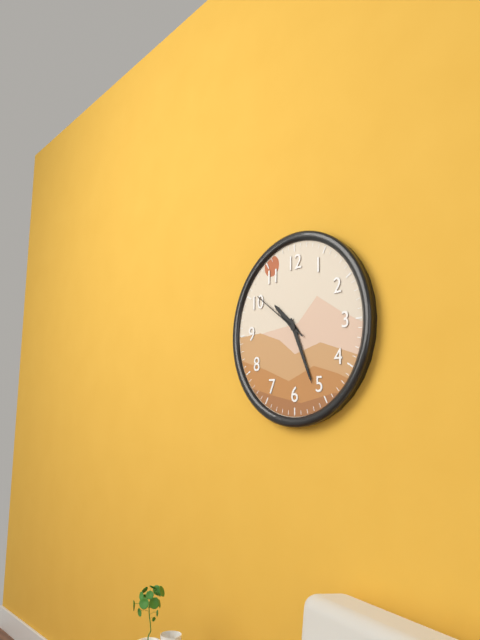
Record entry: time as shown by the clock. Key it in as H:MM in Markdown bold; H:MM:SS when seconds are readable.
**10:26:51**
